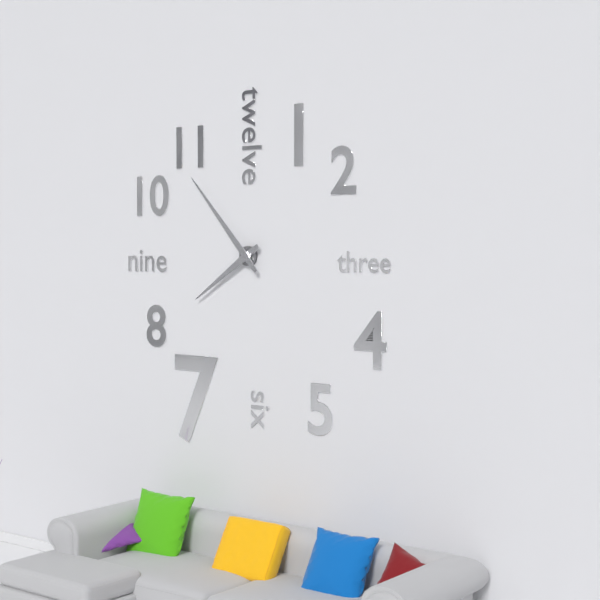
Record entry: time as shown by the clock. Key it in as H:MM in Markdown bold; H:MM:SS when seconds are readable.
**7:53**
